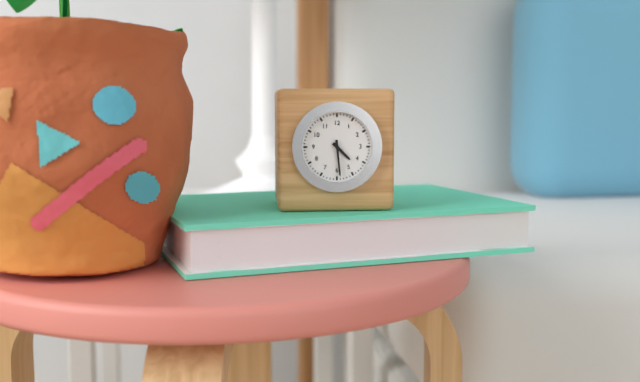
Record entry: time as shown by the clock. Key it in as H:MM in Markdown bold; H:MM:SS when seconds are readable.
**4:29**
